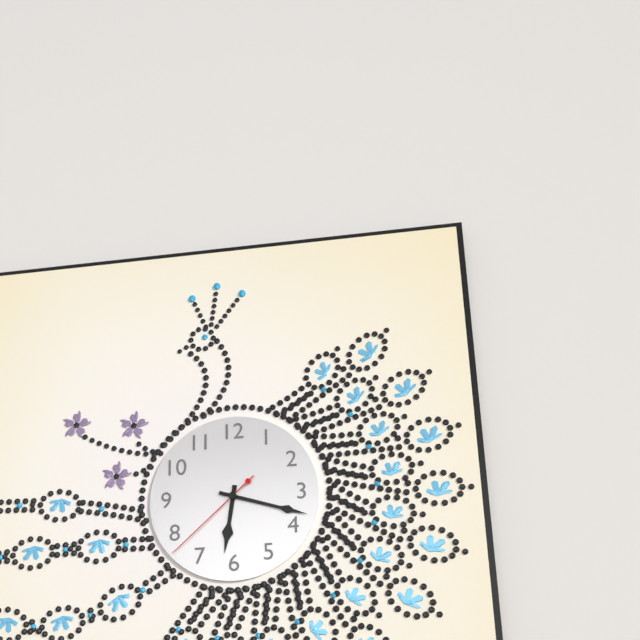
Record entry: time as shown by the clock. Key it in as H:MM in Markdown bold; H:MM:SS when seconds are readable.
**6:18:38**
